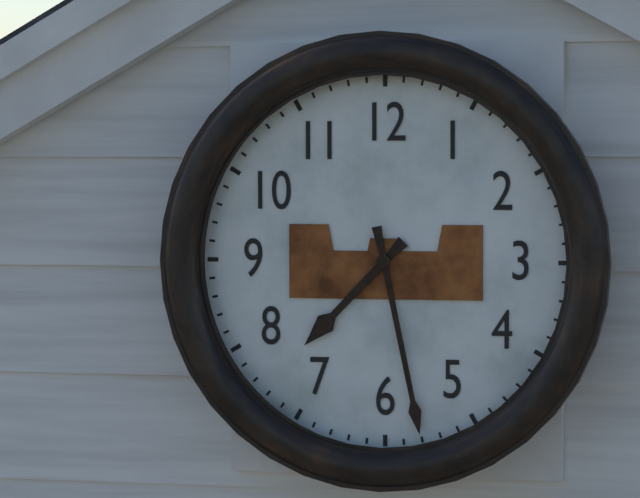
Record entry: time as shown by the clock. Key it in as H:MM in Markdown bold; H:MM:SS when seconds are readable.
**7:28**
